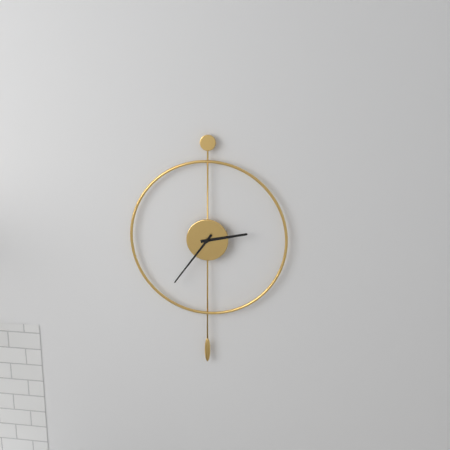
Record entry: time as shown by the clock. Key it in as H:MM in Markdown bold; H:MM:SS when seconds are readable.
**2:36**
